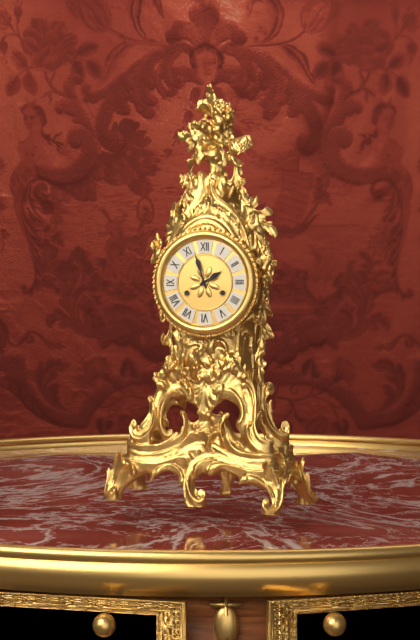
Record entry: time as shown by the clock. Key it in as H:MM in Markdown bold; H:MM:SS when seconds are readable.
**1:57**
